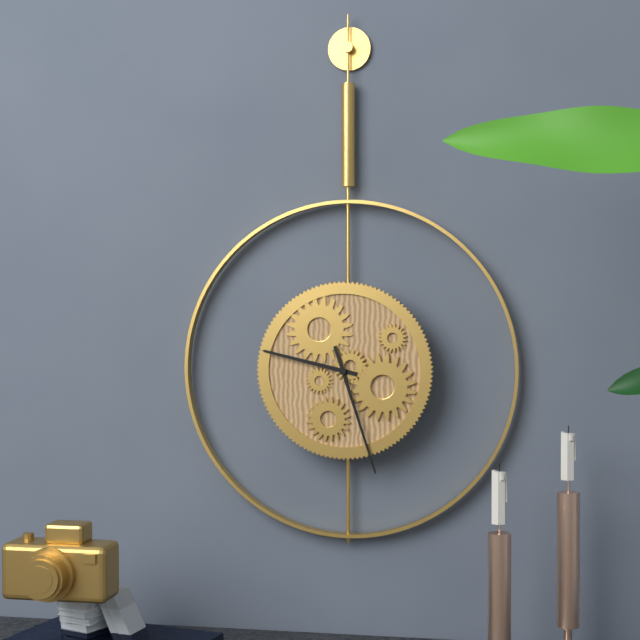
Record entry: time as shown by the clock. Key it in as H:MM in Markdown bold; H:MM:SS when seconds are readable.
**9:27**
